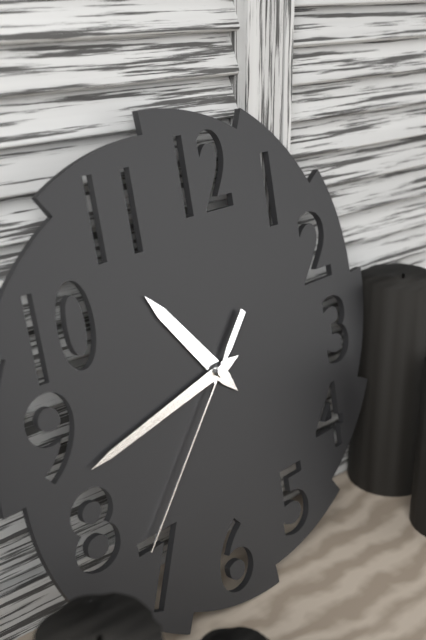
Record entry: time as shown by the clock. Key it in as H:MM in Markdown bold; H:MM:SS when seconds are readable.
**10:43:37**
